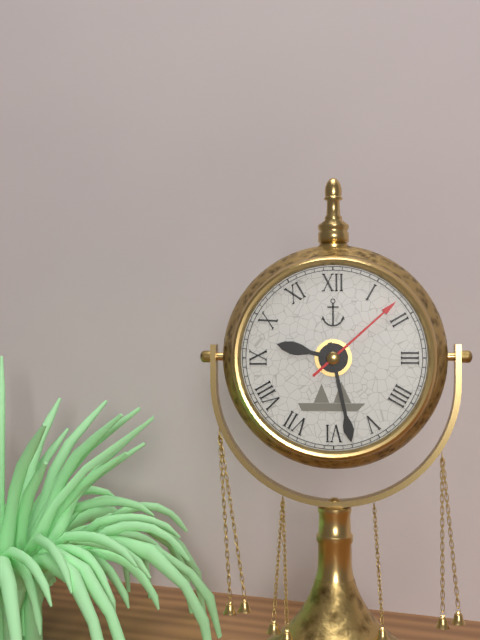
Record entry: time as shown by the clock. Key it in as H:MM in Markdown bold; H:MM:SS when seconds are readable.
**9:28:08**
